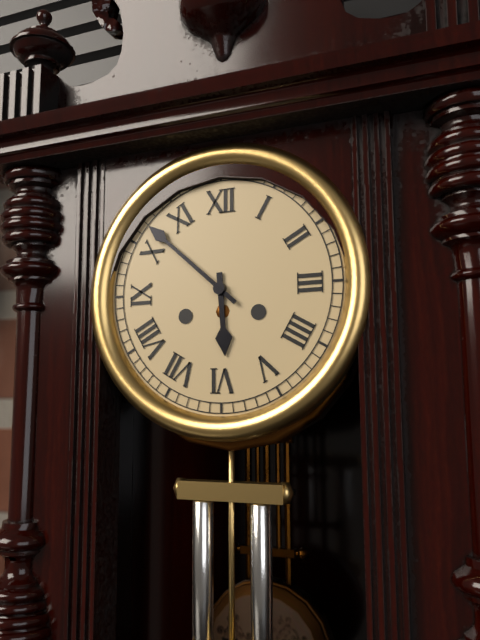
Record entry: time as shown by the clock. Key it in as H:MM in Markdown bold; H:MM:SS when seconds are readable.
**5:52**
